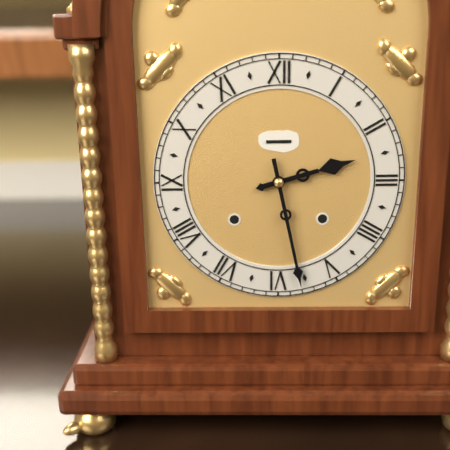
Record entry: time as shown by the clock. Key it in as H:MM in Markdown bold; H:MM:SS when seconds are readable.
**2:28**
